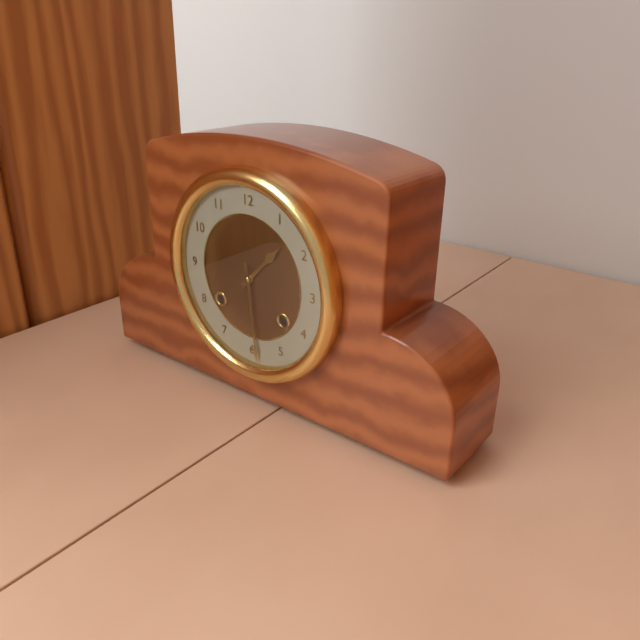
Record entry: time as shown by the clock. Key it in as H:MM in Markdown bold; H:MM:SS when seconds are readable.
**1:29**
